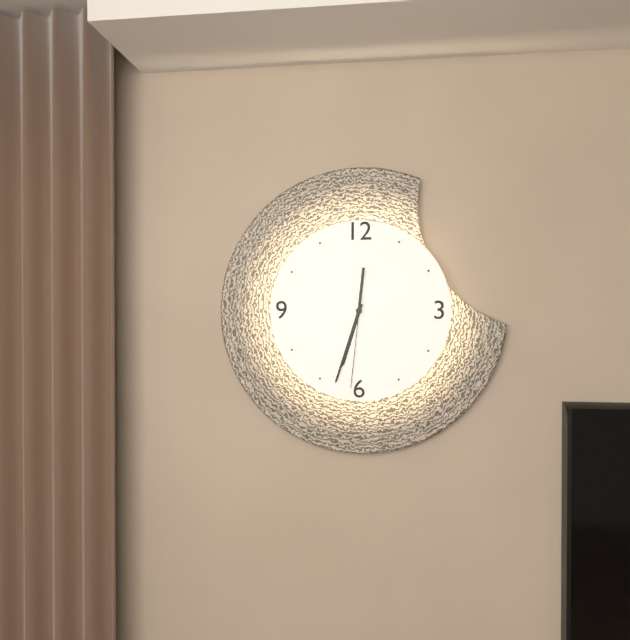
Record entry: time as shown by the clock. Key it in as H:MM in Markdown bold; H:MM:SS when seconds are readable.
**6:33:31**
